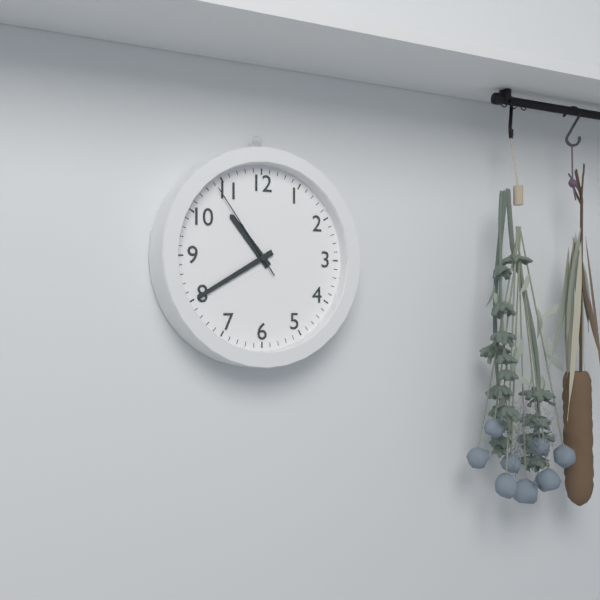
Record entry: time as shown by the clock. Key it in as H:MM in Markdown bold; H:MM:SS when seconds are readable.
**10:40:54**
